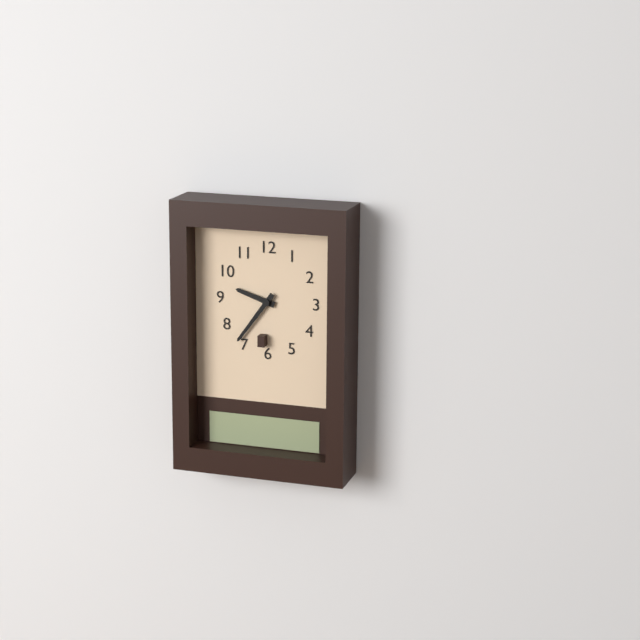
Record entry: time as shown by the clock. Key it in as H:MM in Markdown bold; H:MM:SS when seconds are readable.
**9:36**
